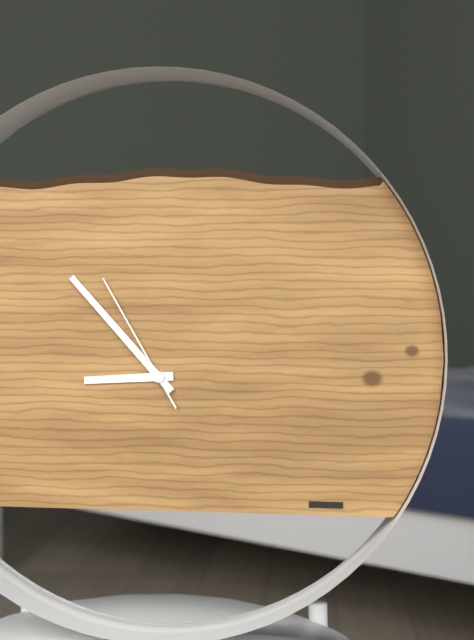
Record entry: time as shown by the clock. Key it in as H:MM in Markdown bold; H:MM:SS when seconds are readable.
**8:53:55**
